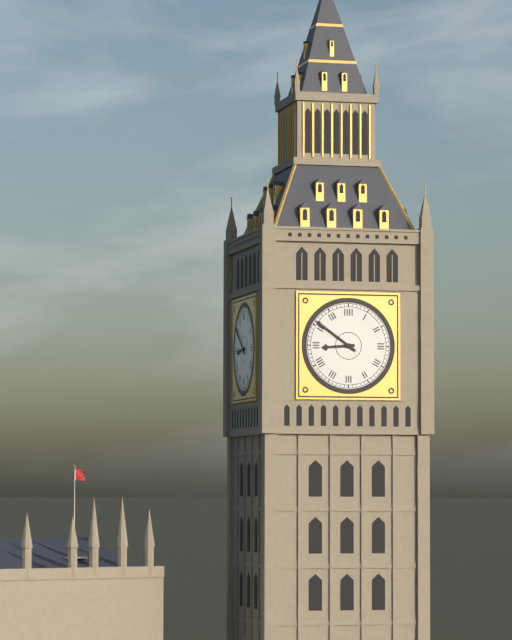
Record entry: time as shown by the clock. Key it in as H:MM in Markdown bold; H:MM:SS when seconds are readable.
**8:51**
